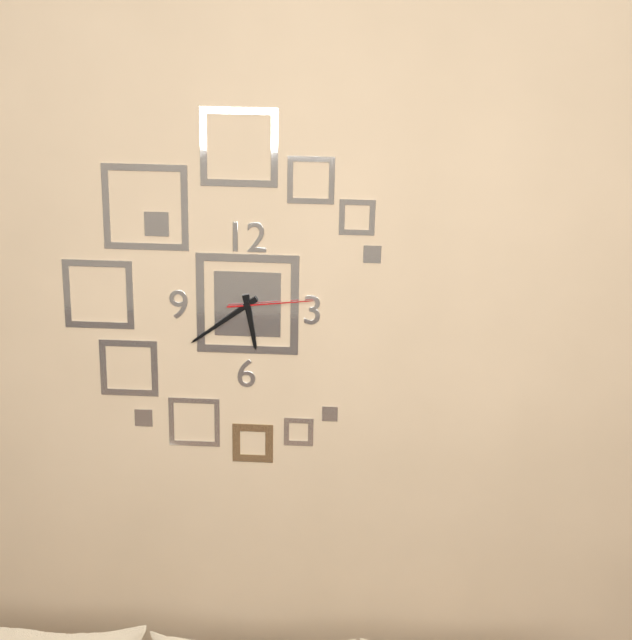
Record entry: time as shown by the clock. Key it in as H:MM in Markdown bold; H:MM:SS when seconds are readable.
**5:39:14**
